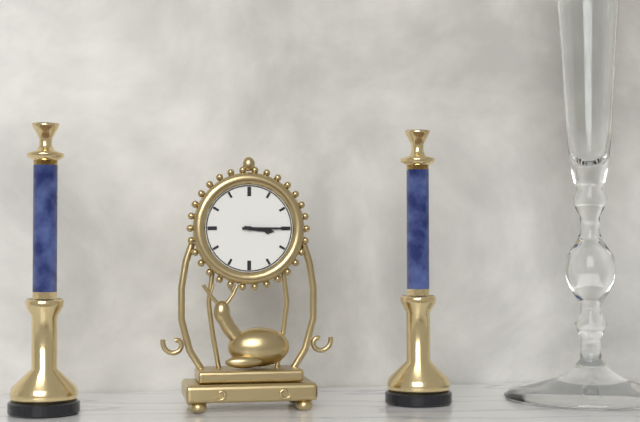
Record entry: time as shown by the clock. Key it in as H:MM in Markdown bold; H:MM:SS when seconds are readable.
**3:15**
